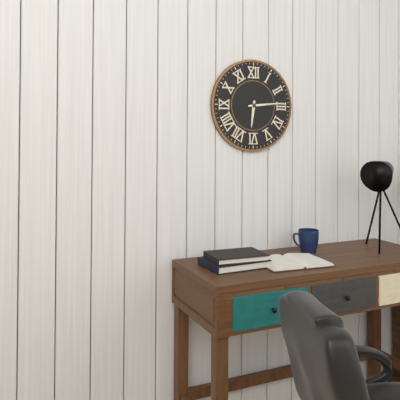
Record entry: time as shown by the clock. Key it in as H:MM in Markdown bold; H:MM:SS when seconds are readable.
**6:14**
